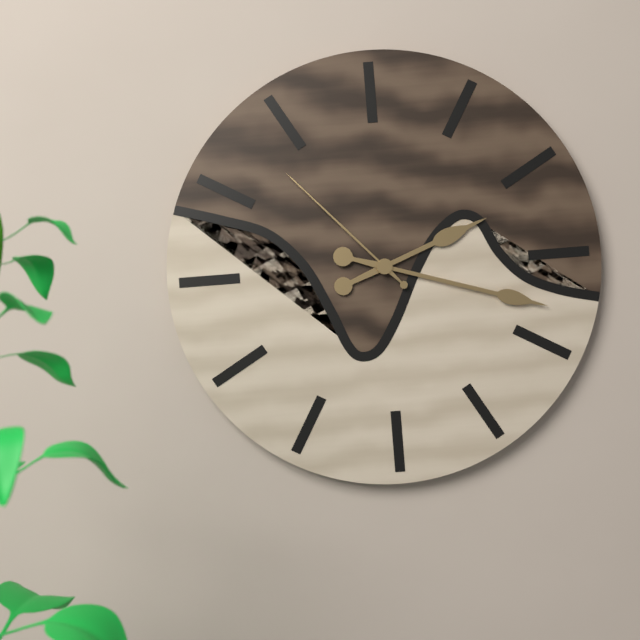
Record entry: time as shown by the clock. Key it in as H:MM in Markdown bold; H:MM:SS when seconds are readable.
**2:18:53**
